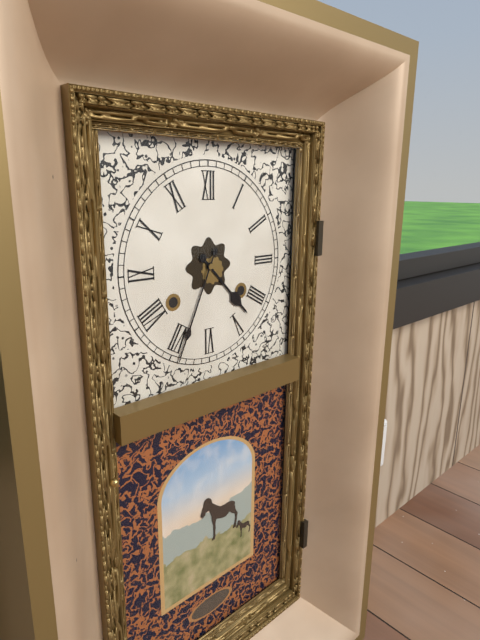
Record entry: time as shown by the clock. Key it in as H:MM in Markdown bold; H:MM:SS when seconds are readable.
**4:34**
